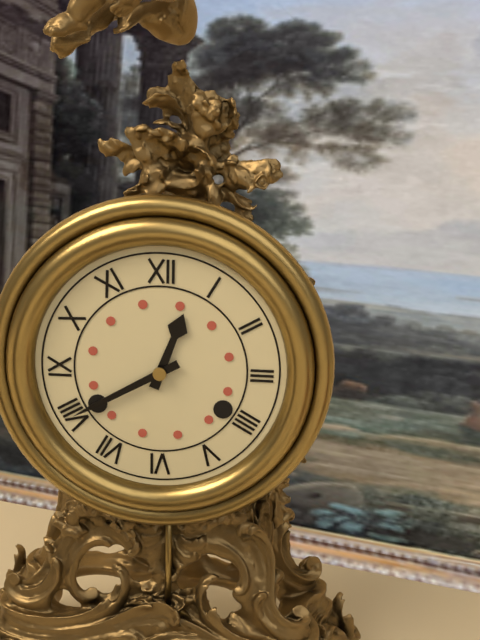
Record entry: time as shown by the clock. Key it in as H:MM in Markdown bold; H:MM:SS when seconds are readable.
**12:40**
